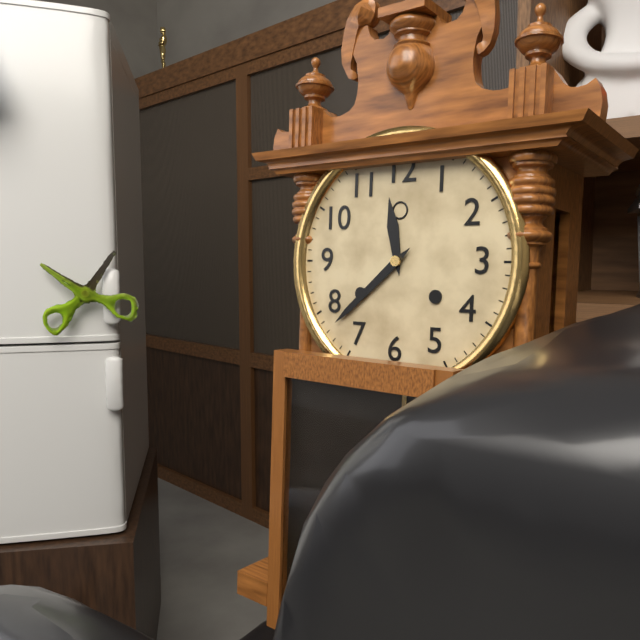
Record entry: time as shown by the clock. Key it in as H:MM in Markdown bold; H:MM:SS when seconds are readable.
**11:38**
